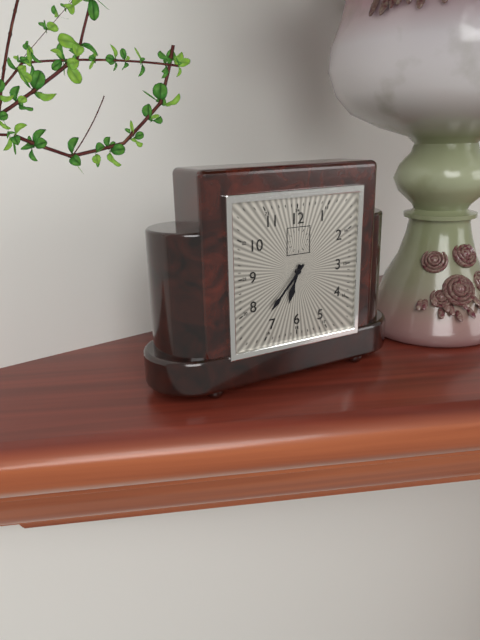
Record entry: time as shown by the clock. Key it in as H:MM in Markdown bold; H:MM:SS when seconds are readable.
**6:37**
